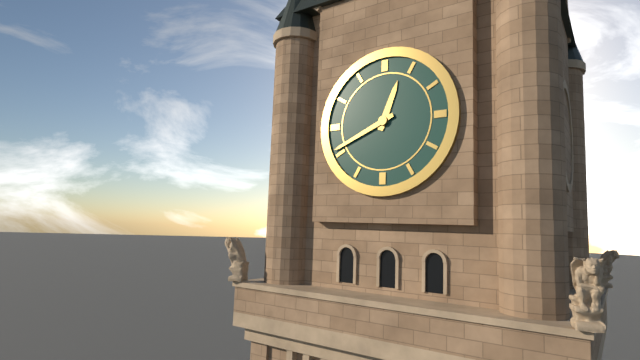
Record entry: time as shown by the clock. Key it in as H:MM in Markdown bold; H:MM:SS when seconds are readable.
**12:41**
